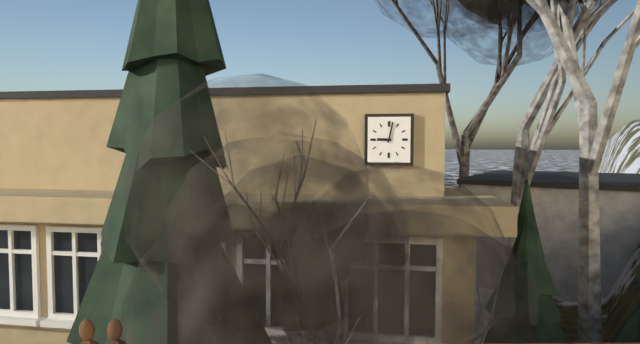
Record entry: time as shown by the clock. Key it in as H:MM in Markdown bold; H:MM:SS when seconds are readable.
**9:02**
